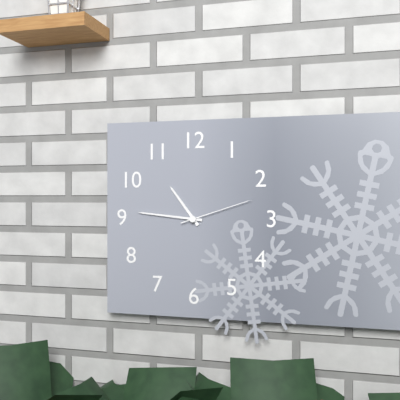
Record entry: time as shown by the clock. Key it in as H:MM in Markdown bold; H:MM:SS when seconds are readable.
**10:46:12**
